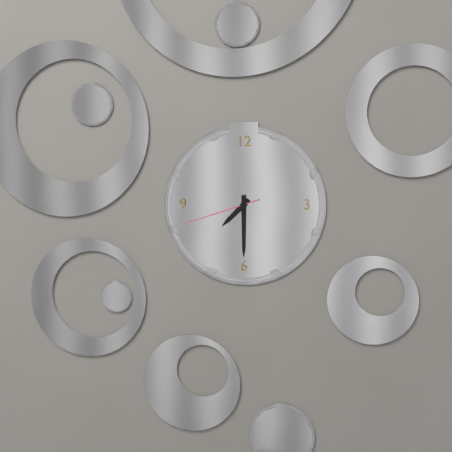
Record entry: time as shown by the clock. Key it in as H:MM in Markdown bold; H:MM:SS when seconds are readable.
**7:30:42**
